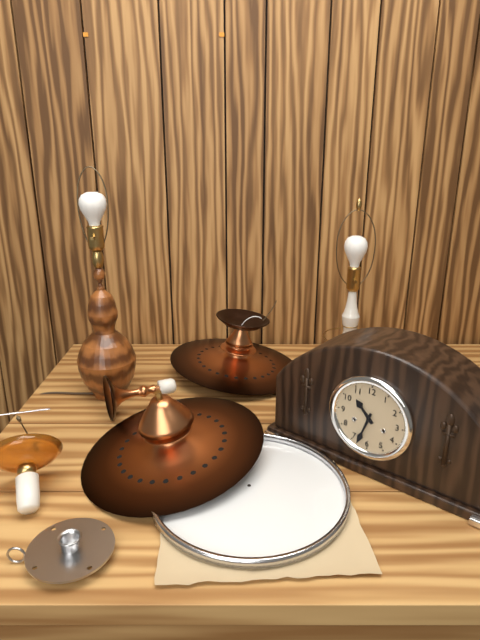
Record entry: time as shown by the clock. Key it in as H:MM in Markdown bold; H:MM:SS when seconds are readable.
**10:33**
